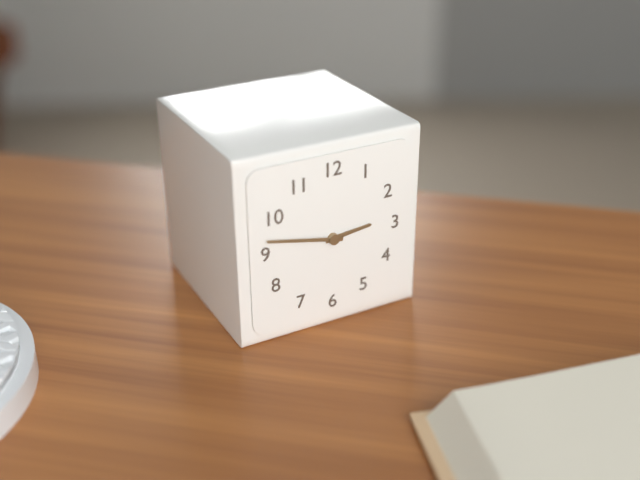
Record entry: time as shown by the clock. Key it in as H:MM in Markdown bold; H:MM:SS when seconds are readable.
**2:47**
